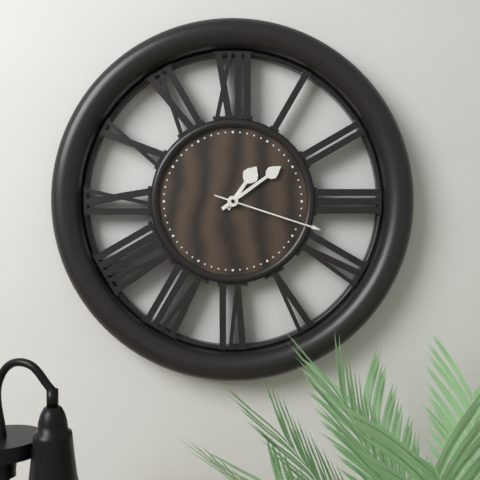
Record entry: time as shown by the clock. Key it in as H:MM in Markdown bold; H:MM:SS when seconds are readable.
**1:09:18**
